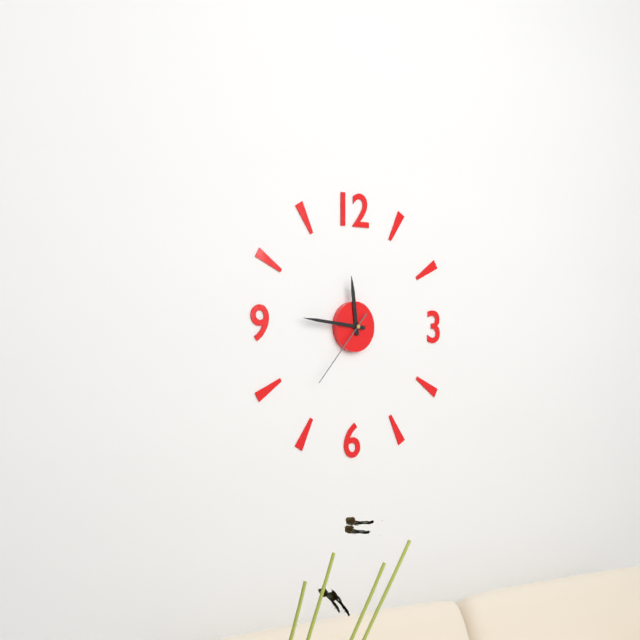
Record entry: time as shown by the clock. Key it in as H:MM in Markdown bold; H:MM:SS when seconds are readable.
**11:46:37**
